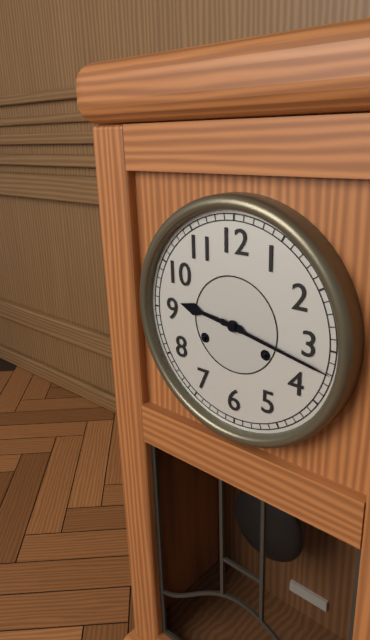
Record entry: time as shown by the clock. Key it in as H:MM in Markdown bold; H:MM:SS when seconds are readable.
**9:17**
